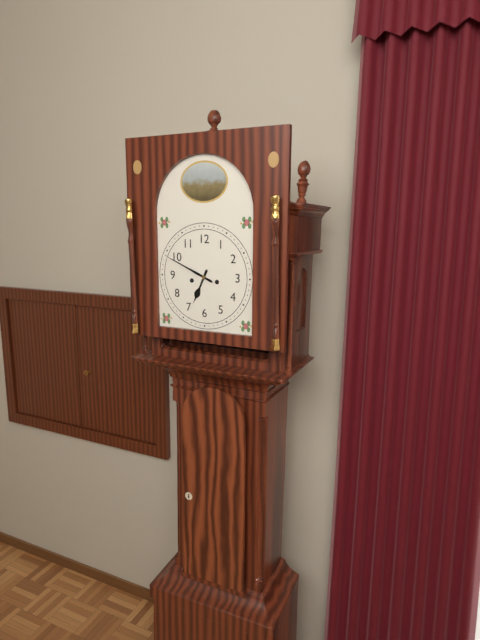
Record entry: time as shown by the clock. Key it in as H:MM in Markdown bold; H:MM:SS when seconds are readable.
**6:49**
